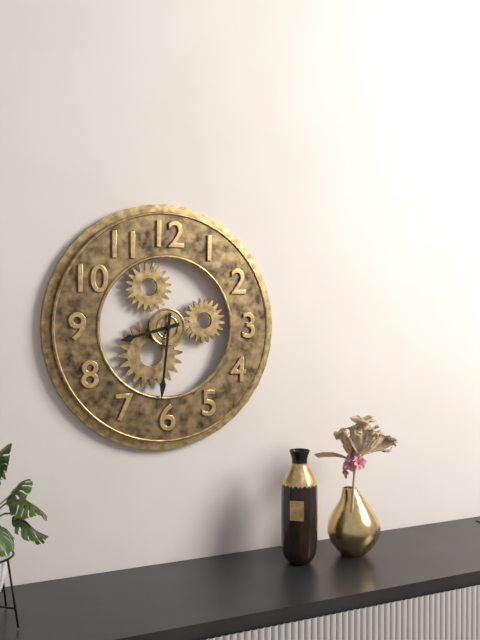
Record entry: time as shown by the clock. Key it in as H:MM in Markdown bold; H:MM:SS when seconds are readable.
**8:31**
